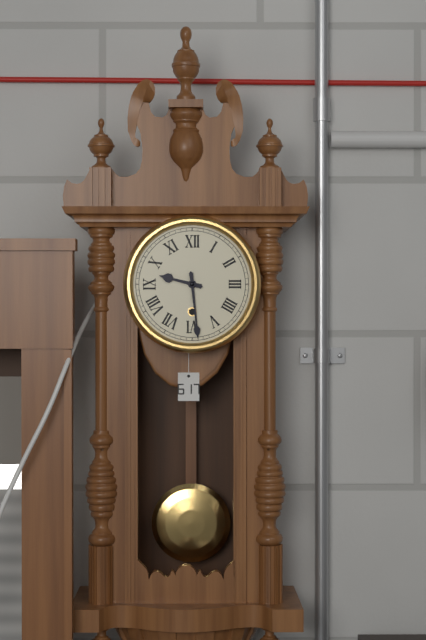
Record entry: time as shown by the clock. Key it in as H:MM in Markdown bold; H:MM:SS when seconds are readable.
**9:29**
